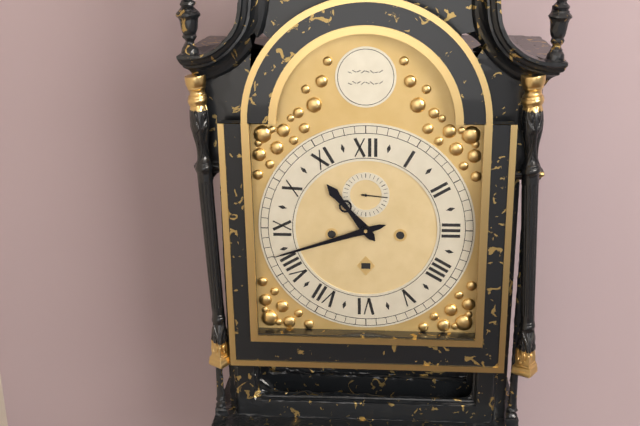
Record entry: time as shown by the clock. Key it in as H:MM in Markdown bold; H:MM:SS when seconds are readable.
**10:42**
